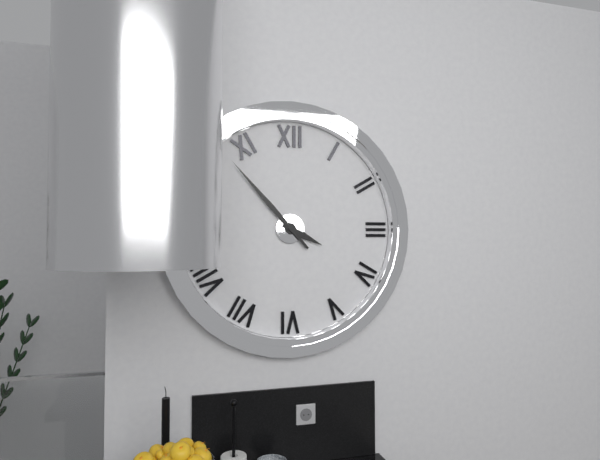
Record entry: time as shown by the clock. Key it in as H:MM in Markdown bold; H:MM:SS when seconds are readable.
**3:53**
